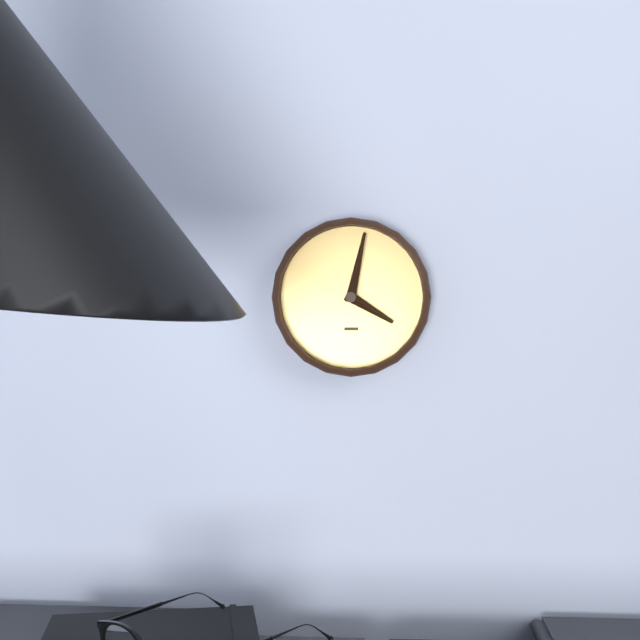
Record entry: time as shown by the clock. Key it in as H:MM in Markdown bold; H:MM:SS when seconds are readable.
**4:02**
